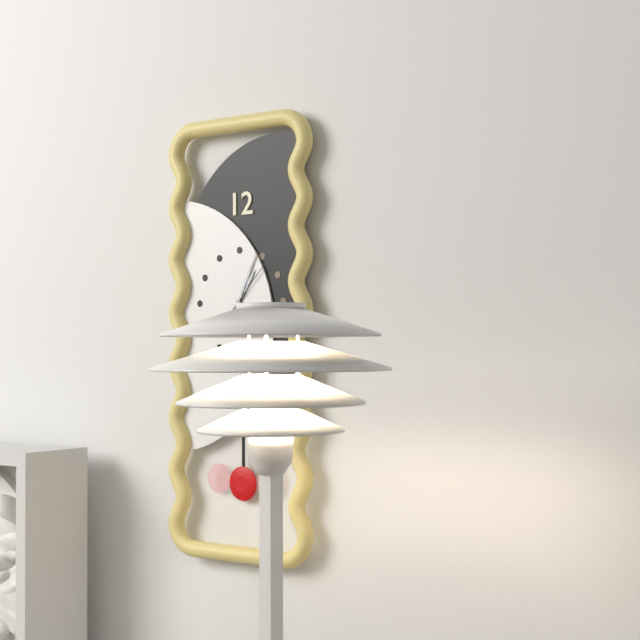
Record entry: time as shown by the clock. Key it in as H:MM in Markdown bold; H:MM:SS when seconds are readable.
**1:04:07**
